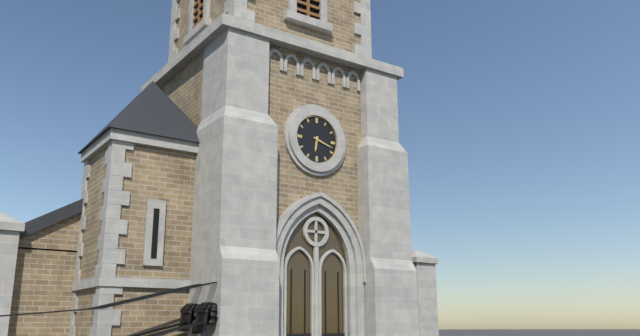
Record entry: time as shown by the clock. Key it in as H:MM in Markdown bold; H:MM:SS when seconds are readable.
**6:18**
